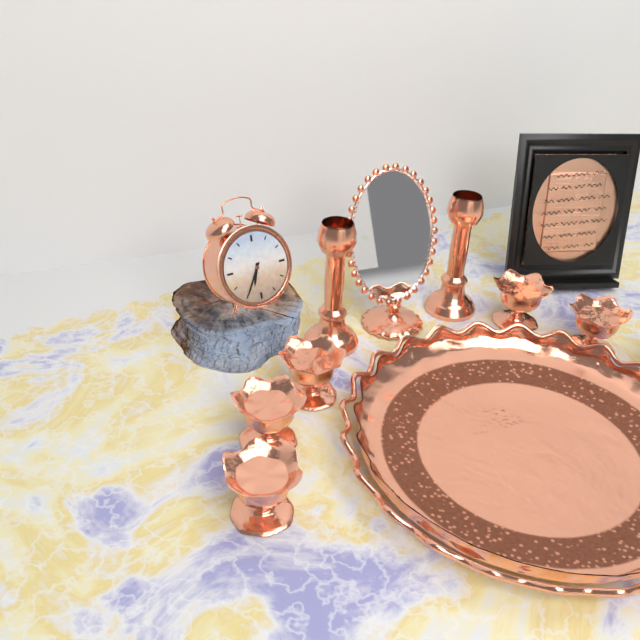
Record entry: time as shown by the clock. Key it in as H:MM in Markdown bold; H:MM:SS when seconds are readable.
**6:35**
